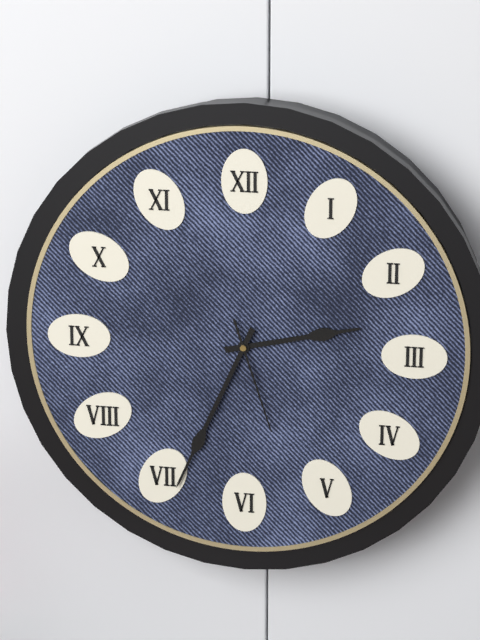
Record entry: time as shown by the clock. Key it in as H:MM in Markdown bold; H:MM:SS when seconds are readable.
**2:34:27**
